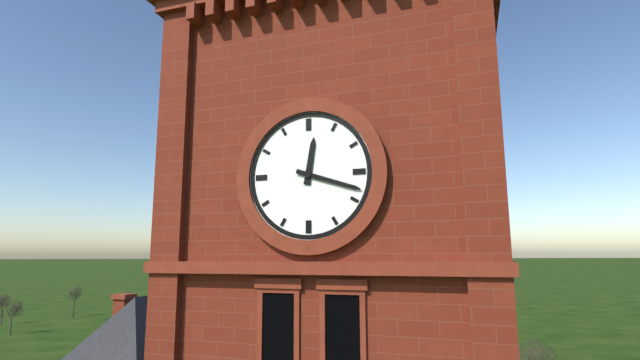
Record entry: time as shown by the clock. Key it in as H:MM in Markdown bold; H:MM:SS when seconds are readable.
**12:18**
